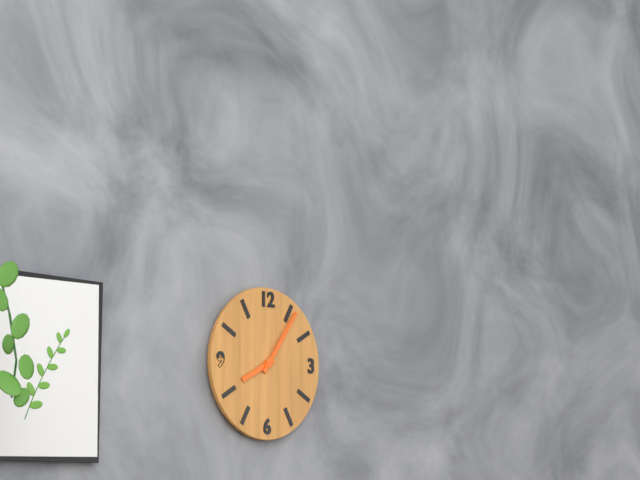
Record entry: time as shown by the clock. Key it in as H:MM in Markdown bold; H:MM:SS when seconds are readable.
**8:06**
